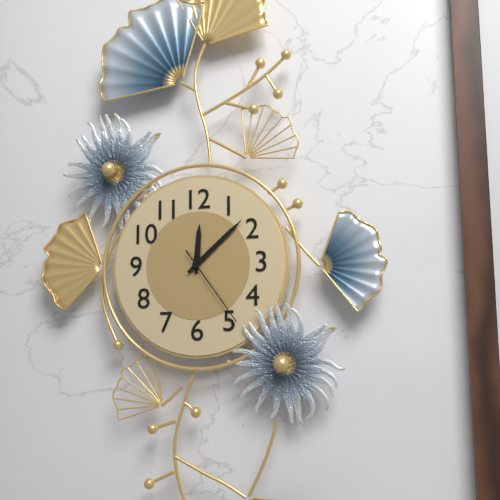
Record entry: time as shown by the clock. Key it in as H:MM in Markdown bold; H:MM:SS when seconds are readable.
**12:08:24**
